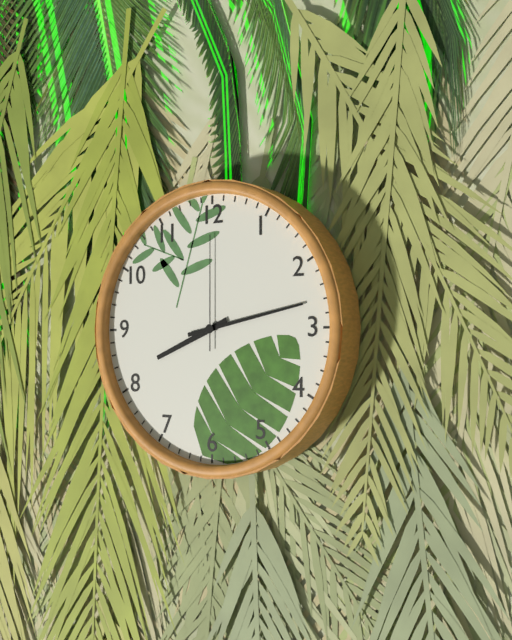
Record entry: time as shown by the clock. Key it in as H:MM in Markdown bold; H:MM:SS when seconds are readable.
**8:13:00**
